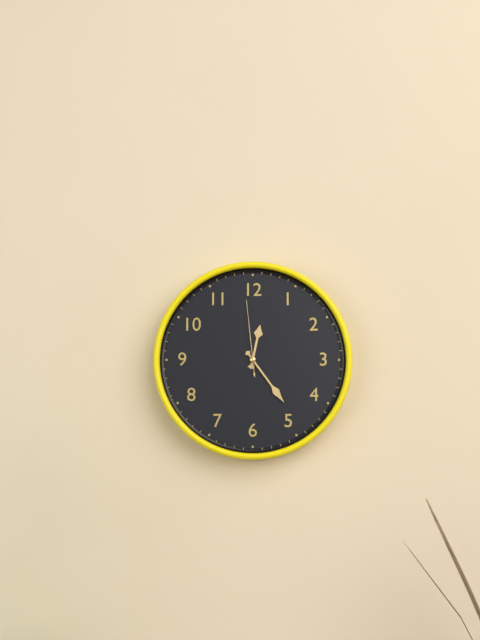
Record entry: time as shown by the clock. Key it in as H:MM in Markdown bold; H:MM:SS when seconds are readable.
**12:24:59**
